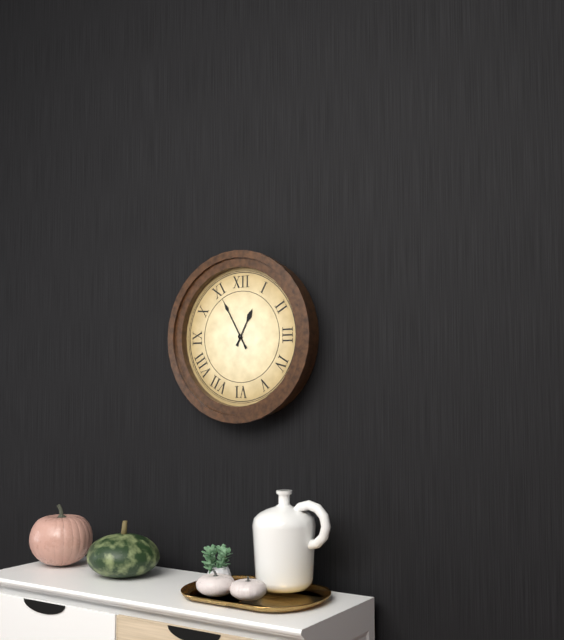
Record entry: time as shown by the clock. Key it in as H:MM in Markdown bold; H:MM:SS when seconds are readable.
**12:55**
